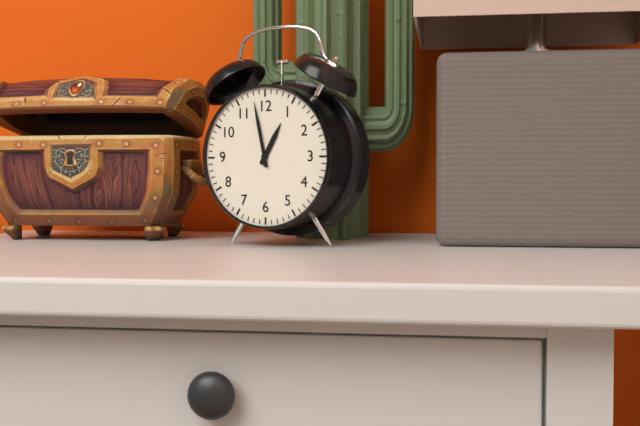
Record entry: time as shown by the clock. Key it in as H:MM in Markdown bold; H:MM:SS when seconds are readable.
**12:58**
